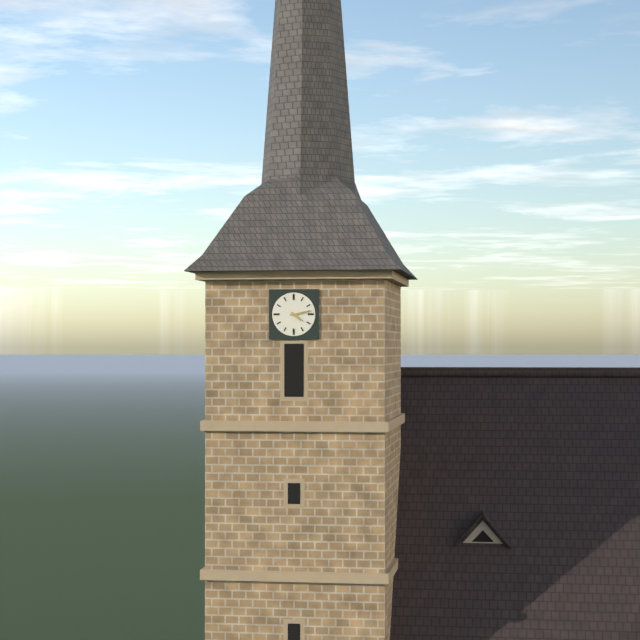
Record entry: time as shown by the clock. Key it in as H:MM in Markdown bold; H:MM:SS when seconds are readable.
**4:13**
